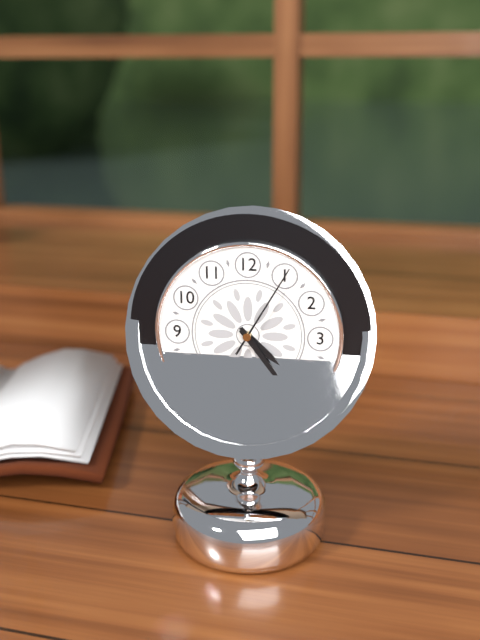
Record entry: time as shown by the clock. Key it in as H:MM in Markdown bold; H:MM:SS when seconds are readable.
**4:24:05**
